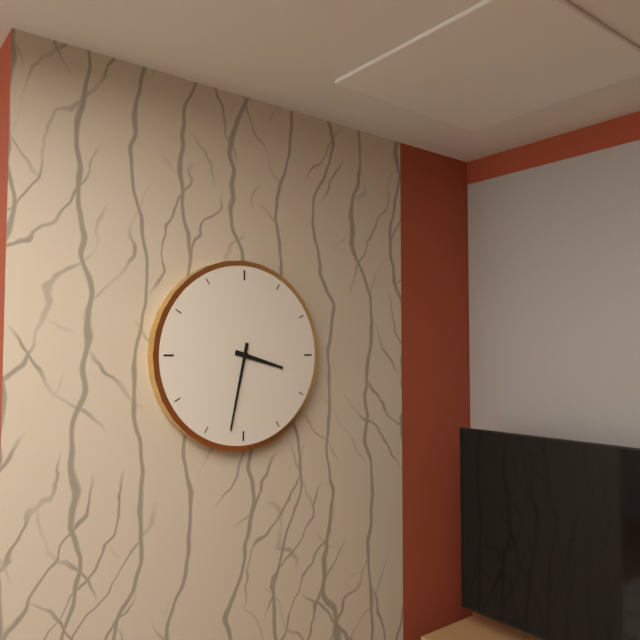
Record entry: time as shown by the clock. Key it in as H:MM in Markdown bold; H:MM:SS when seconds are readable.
**3:32**
